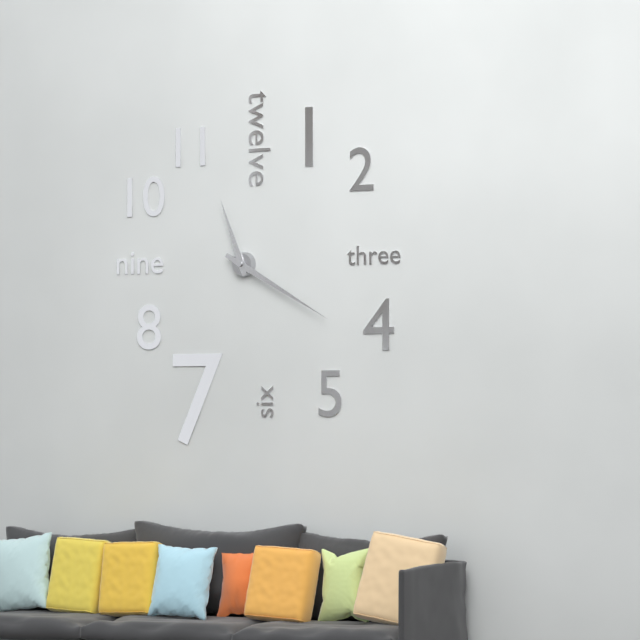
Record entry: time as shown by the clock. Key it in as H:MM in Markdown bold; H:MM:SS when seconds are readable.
**11:20**
